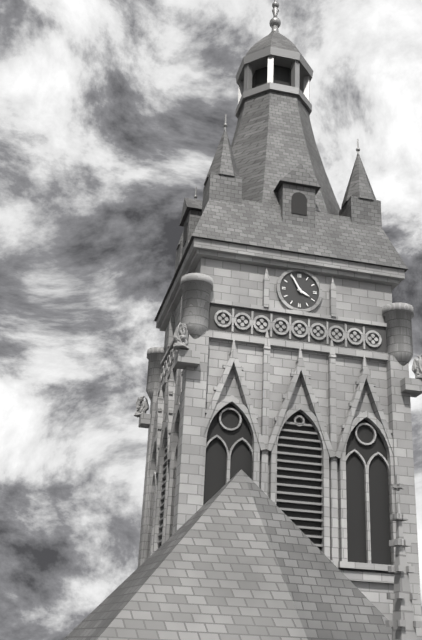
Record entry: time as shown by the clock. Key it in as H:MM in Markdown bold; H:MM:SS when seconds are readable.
**3:55**
